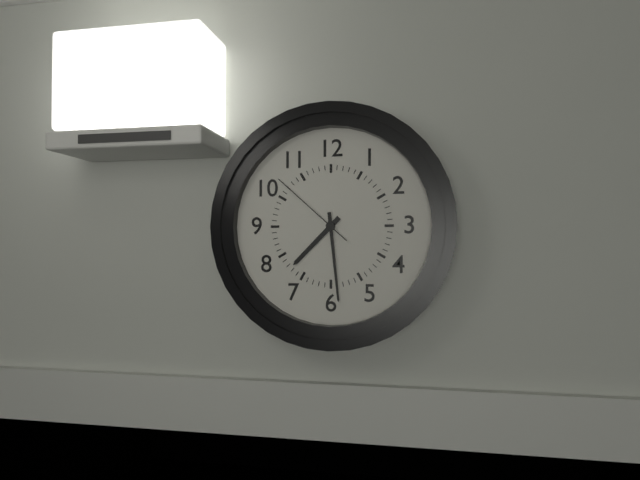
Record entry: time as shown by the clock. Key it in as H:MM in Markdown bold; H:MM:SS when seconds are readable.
**7:29:52**
